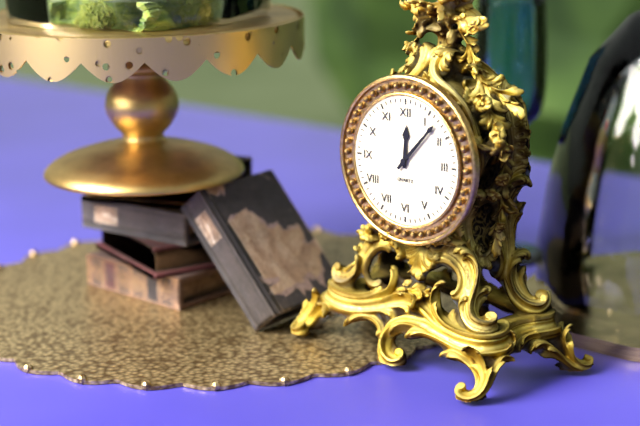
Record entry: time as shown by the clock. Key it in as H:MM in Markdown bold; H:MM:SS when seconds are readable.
**12:07**
